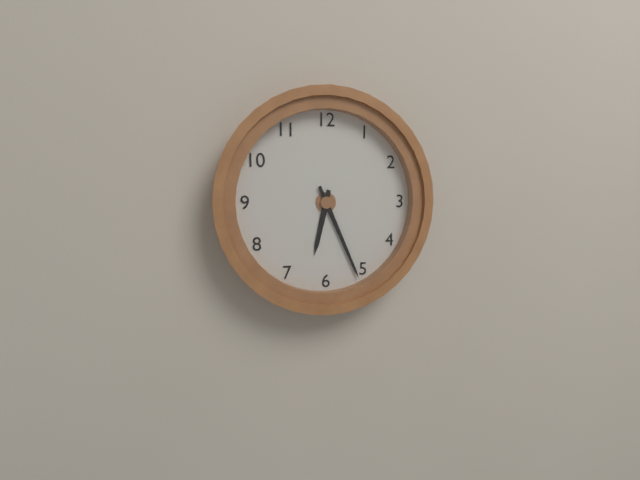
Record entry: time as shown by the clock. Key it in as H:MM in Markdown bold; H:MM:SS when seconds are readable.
**6:26**
